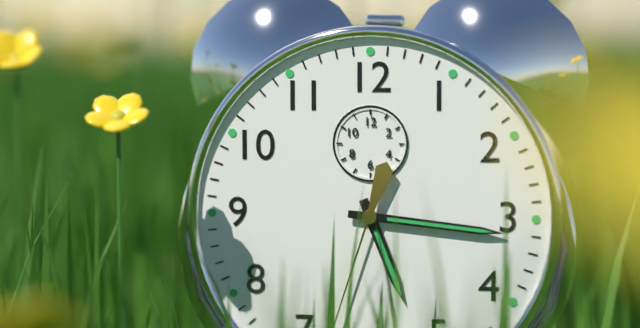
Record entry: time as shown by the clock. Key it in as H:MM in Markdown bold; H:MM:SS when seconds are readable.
**5:16**
